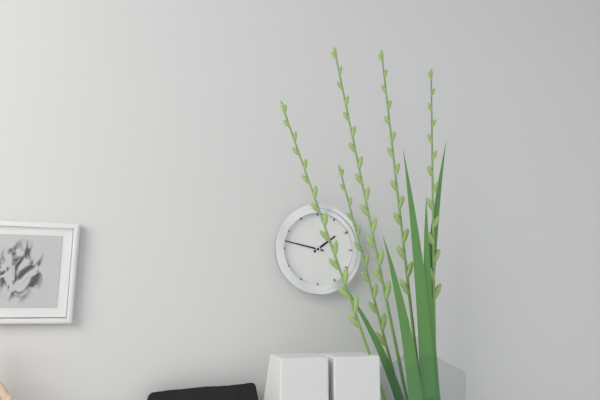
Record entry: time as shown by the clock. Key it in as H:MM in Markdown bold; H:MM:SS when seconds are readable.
**1:47**
